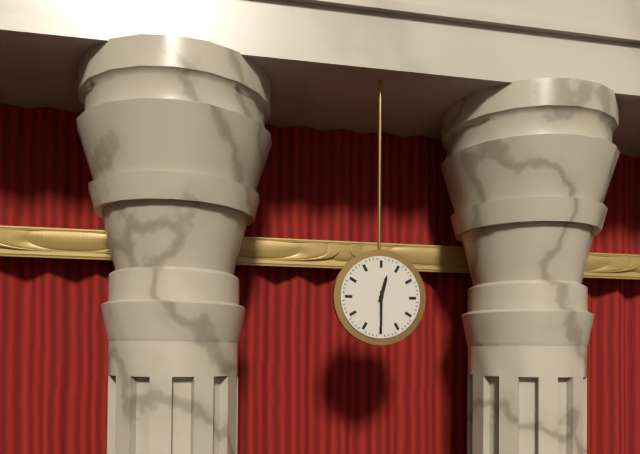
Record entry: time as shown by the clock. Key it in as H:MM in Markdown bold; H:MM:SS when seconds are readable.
**12:30**
